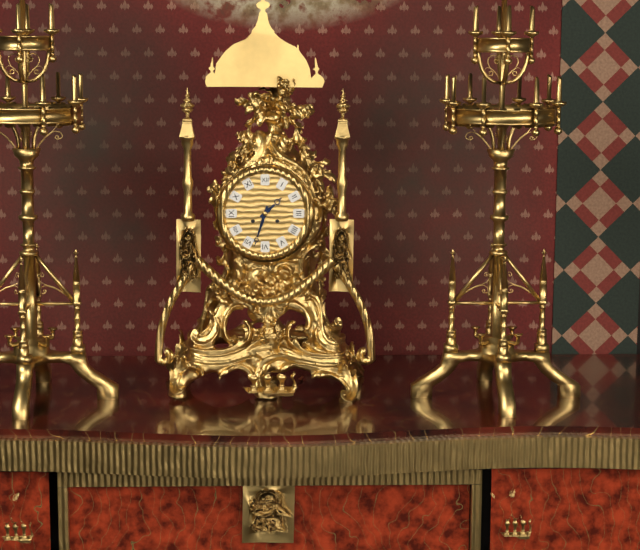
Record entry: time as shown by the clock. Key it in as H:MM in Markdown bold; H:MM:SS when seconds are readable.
**1:33**
